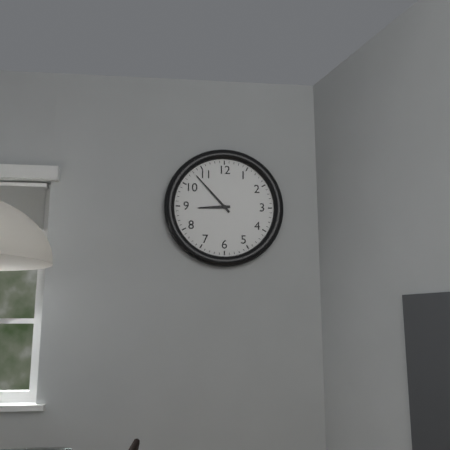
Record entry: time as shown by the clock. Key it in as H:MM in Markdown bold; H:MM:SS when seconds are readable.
**8:53**
